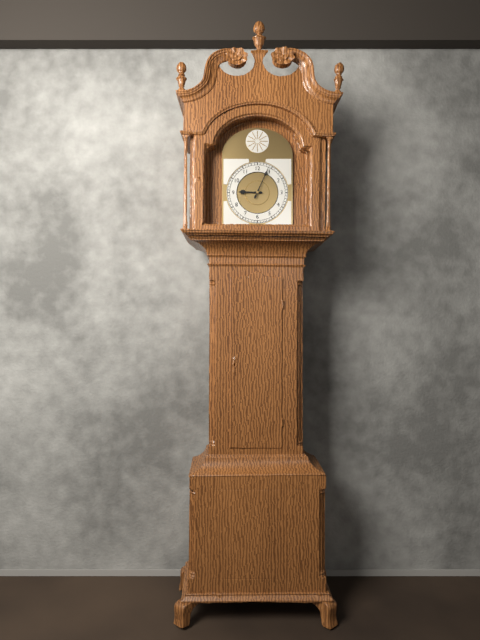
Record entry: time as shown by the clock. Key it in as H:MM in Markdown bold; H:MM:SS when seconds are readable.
**9:04**
